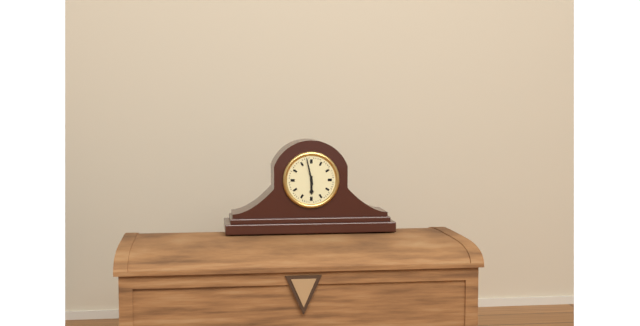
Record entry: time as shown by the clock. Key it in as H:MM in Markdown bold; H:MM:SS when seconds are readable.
**5:58**
